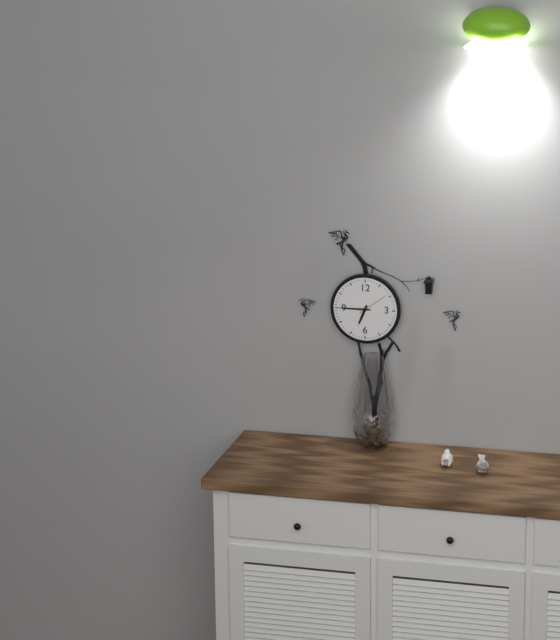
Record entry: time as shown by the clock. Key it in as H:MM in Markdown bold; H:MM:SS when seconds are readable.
**6:45**
